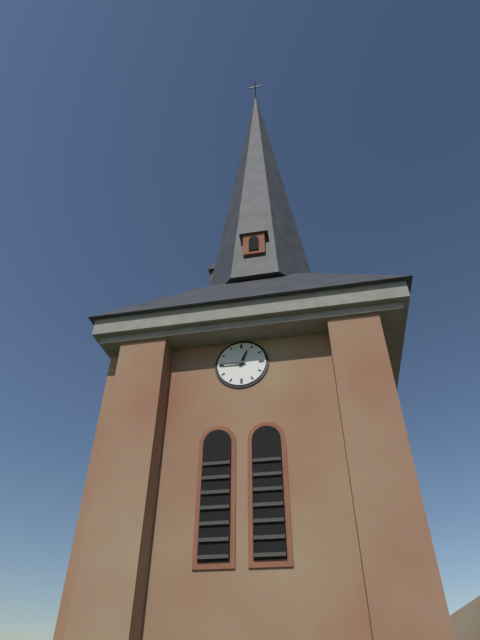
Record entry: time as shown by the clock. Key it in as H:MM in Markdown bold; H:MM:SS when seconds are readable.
**12:45**
